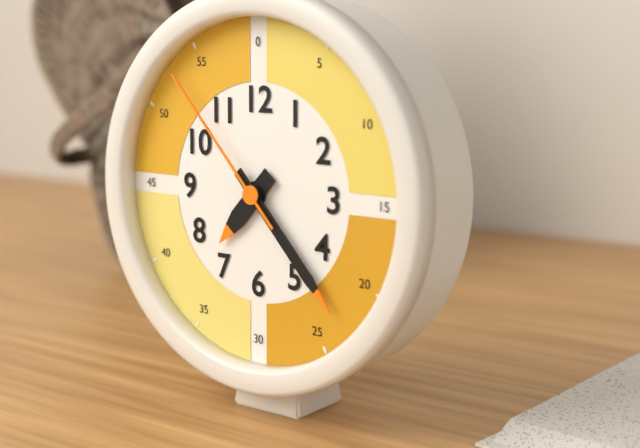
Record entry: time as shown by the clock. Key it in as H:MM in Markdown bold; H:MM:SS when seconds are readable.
**7:23:53**
